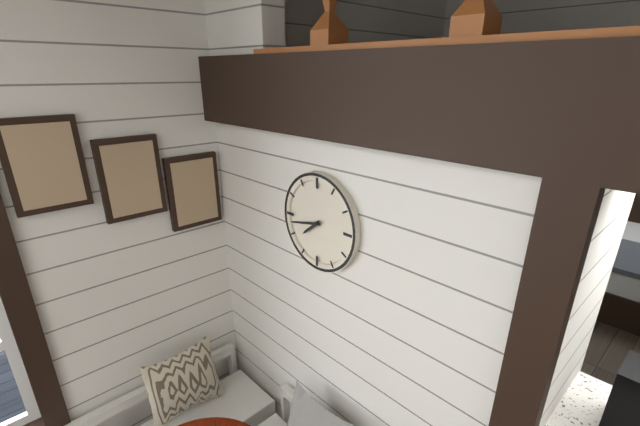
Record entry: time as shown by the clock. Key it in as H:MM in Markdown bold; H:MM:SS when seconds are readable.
**7:43**
